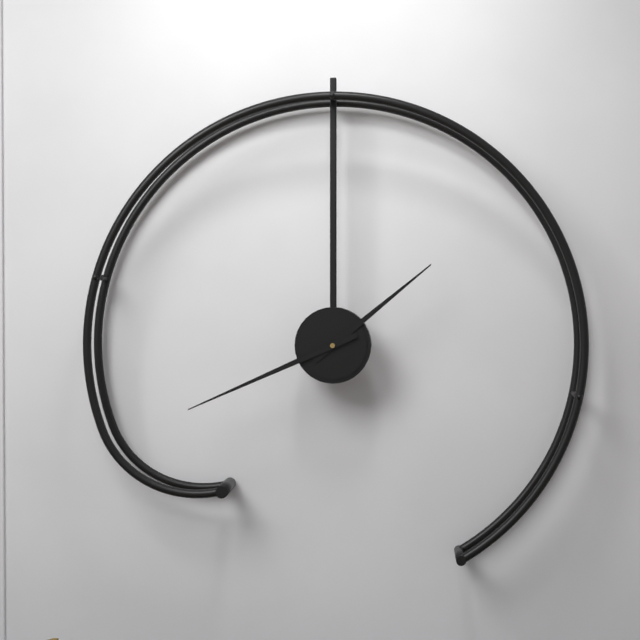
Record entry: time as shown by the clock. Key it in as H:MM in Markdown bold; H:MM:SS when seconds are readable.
**1:41**
